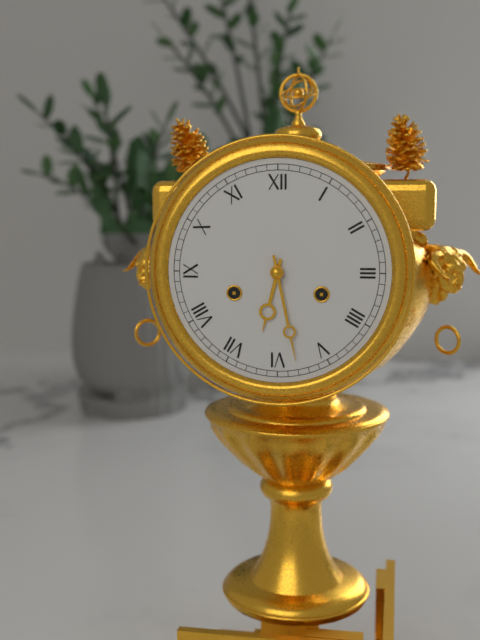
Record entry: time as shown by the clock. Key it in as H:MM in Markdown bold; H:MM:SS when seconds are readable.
**6:28**
